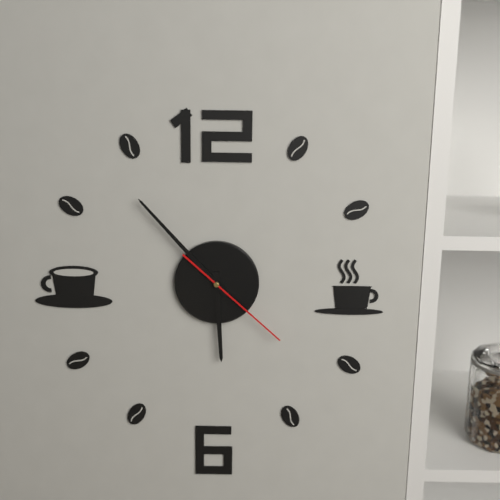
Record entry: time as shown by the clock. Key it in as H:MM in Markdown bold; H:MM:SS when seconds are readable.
**5:53:22**
